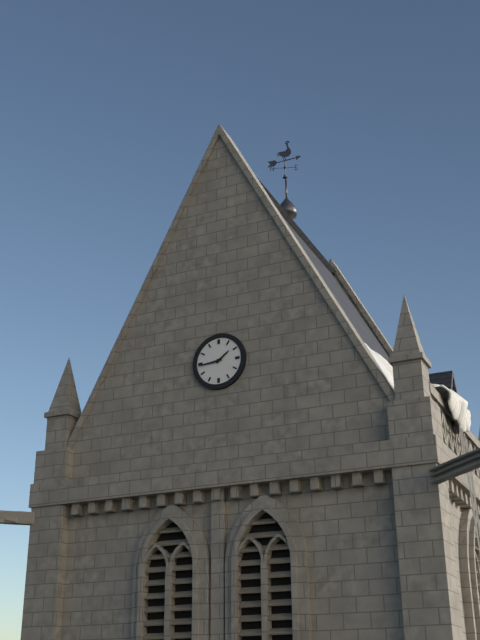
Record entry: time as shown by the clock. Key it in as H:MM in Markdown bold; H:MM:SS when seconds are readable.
**1:44**
